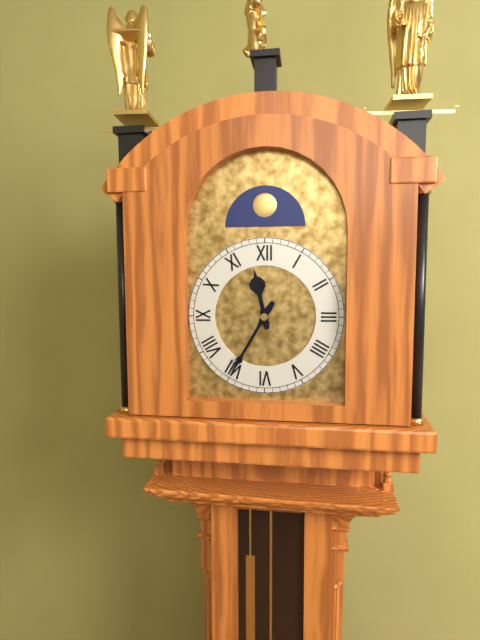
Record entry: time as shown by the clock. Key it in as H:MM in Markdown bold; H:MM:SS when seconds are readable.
**11:35**
